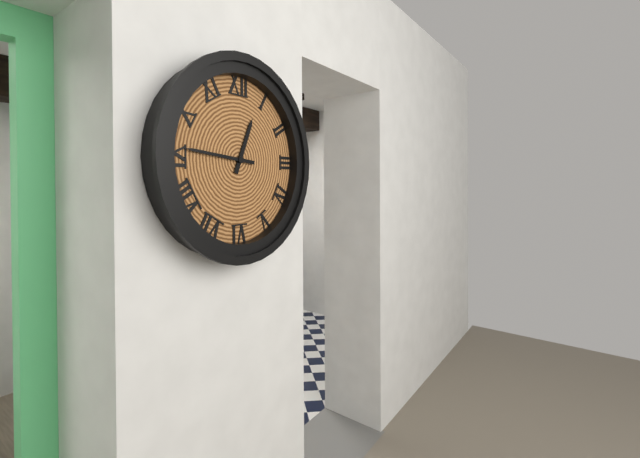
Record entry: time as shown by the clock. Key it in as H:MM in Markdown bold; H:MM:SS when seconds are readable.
**12:46**
